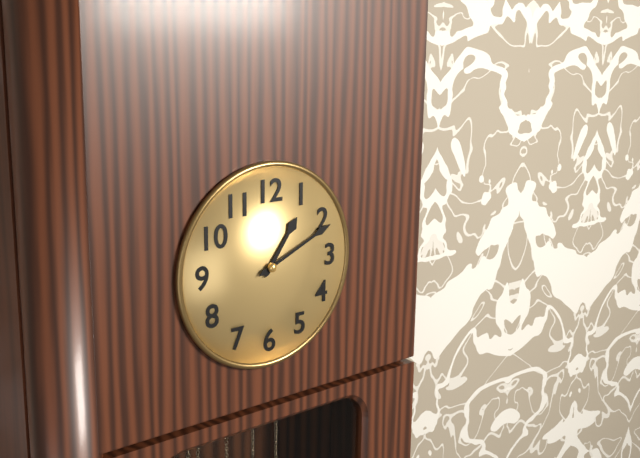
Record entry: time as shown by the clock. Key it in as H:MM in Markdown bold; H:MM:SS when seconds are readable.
**1:11**
